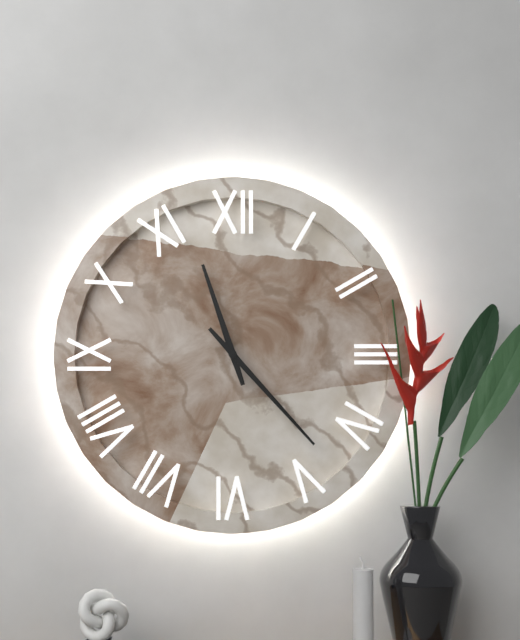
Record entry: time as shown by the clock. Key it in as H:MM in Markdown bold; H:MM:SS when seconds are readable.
**11:23**
